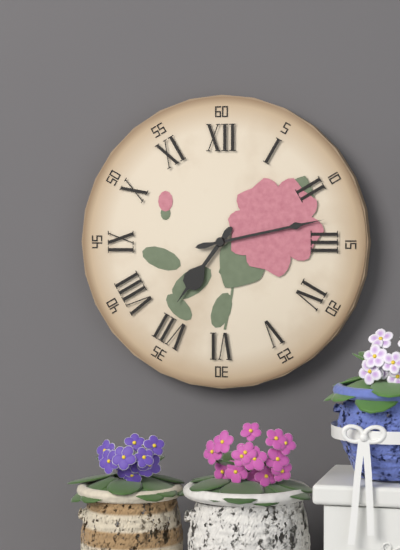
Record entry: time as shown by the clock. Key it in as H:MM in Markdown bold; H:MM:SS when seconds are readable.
**7:13**
